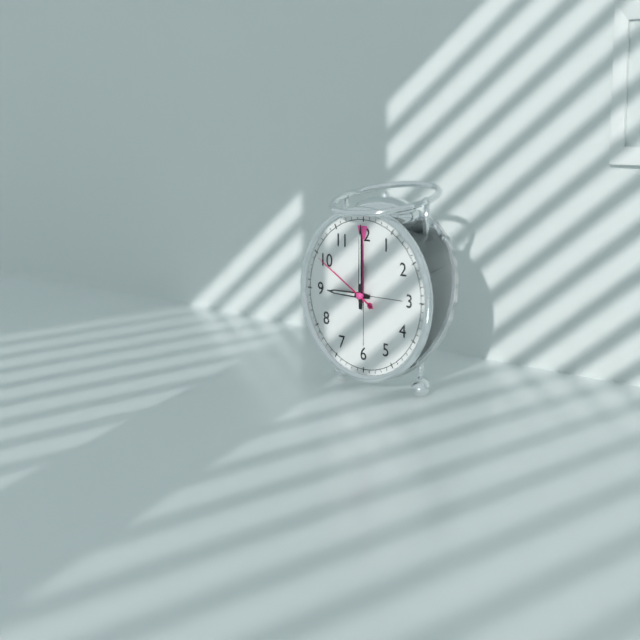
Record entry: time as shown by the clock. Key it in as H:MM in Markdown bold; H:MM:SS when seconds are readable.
**9:00:50**
